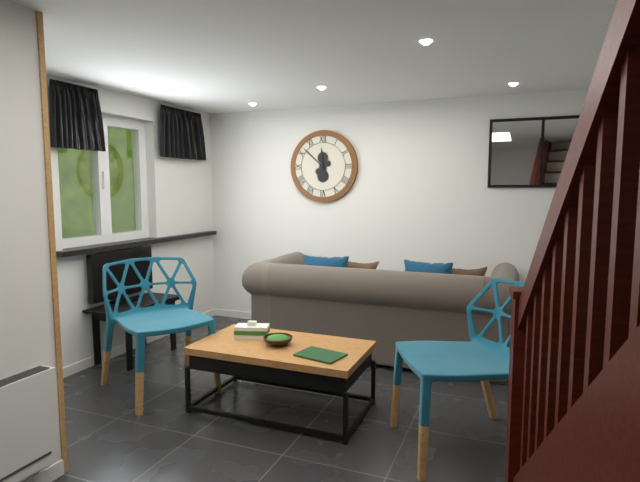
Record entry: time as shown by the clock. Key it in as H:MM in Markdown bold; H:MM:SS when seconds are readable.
**11:52**
